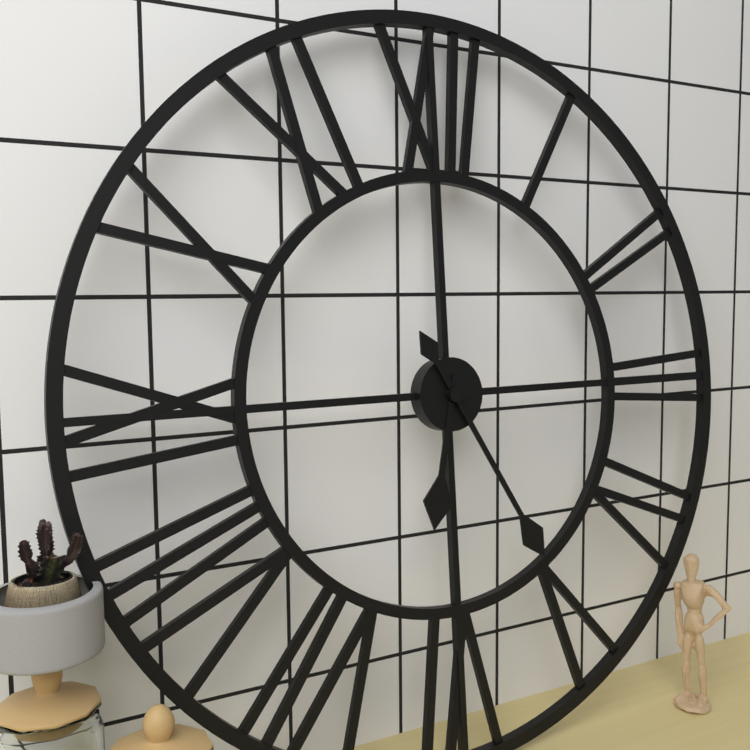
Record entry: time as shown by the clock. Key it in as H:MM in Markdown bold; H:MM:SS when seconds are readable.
**6:25**
